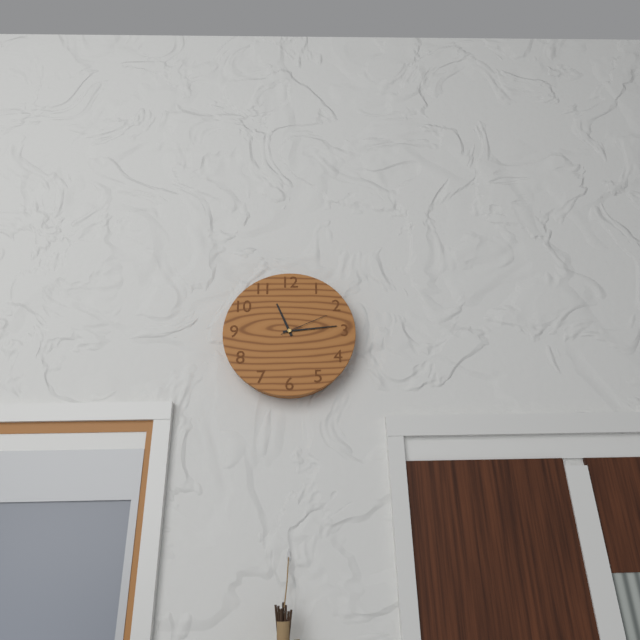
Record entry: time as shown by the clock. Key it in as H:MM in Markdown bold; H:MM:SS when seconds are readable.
**11:14:11**
